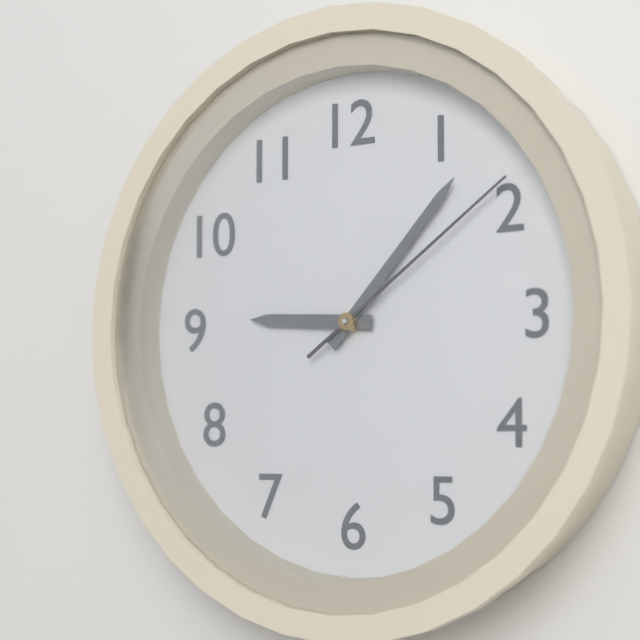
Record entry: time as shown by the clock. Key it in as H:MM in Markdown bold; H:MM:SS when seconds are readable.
**9:07:09**
